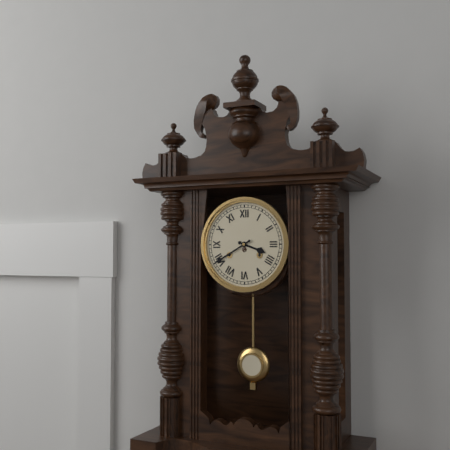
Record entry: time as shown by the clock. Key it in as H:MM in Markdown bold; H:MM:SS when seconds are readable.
**3:40**
